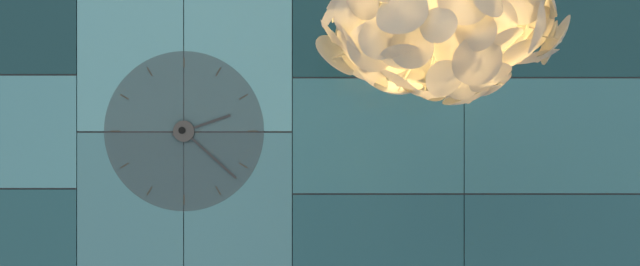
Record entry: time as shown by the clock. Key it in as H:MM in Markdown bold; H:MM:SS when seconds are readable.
**2:22**
